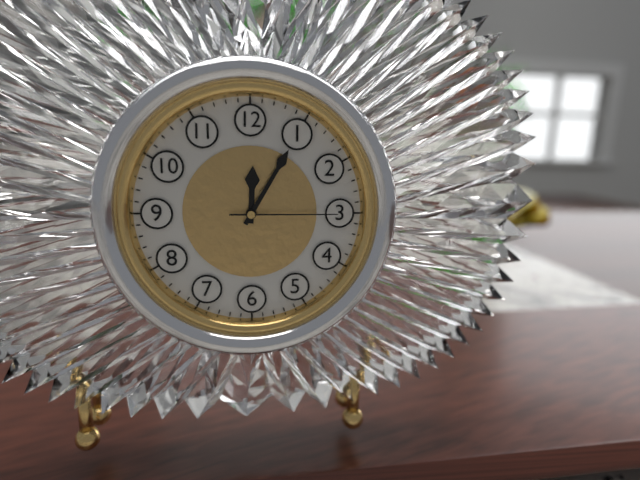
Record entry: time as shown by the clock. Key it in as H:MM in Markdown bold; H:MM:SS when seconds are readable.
**12:05:15**
